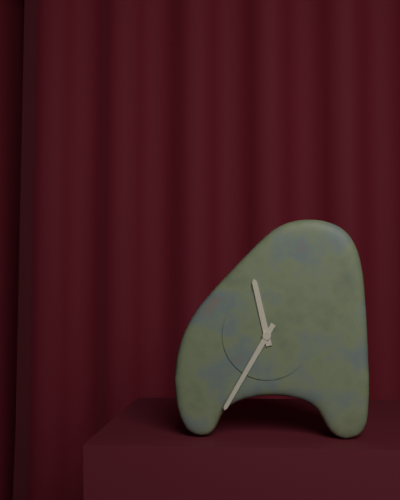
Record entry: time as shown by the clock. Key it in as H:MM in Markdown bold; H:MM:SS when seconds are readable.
**11:35**
